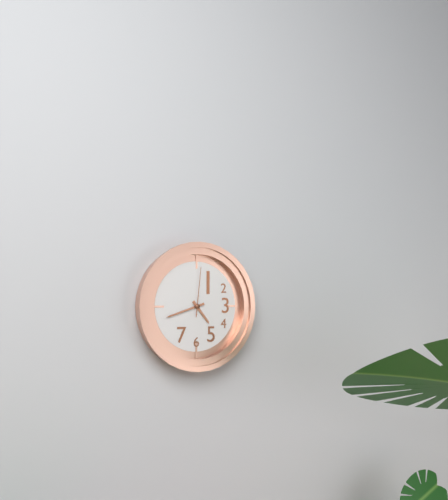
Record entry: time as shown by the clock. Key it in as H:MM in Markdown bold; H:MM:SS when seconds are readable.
**4:42**
